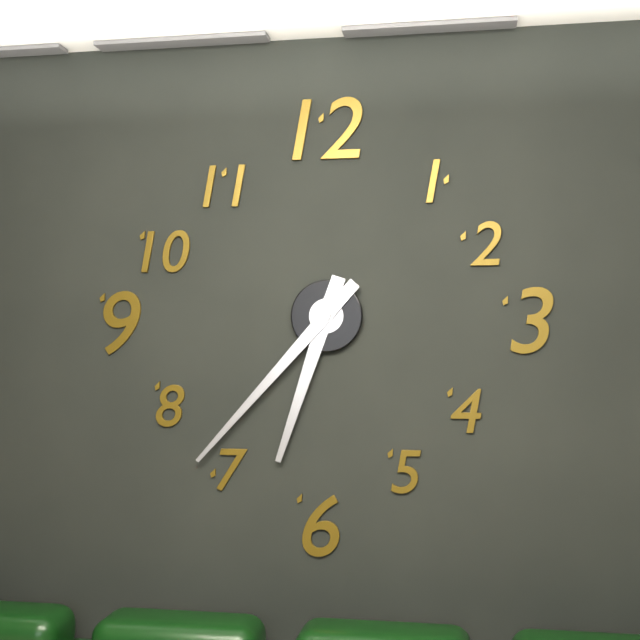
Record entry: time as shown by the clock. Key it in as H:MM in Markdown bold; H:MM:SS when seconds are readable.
**6:37**
